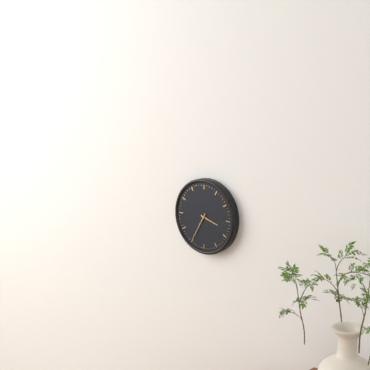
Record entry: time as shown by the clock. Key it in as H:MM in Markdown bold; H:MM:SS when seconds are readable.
**3:35**
